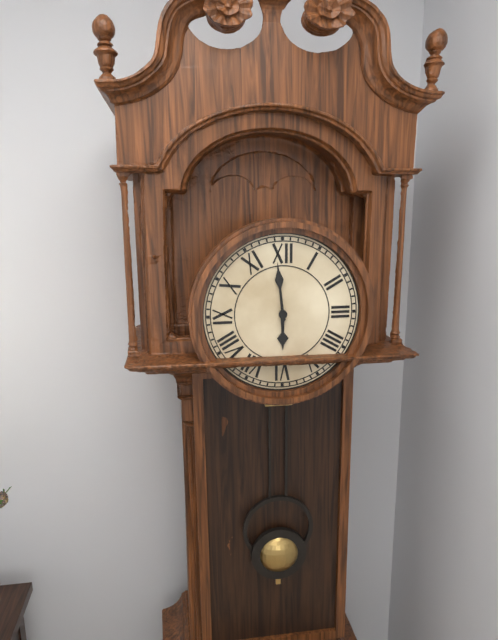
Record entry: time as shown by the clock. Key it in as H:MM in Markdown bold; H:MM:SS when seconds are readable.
**5:59**
